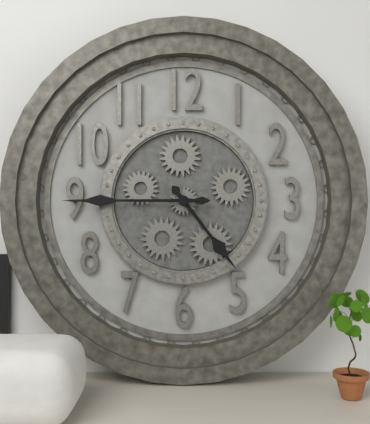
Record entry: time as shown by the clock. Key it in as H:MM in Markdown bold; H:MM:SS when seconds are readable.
**4:45**
